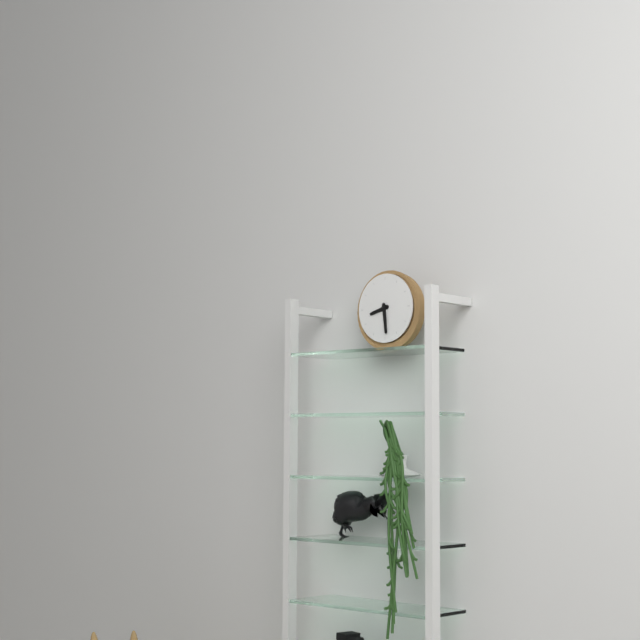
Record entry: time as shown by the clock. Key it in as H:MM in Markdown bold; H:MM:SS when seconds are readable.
**8:29**
